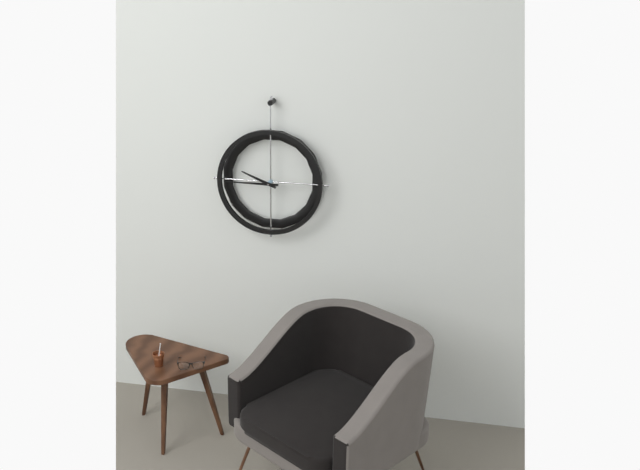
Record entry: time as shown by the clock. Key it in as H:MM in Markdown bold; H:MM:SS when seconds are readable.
**9:45**
